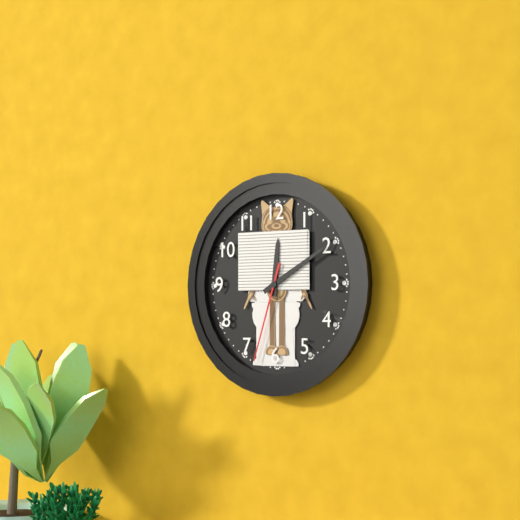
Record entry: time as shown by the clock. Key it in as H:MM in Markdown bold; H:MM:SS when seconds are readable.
**12:10:33**
